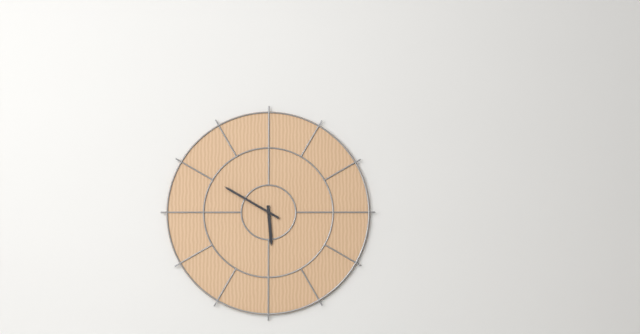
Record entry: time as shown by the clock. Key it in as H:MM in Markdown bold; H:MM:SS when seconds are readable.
**5:50**
